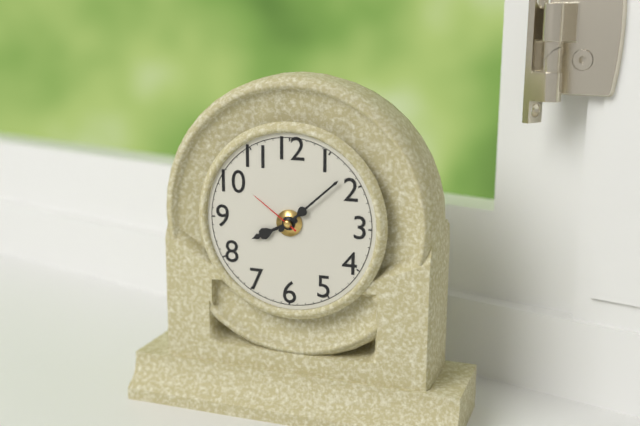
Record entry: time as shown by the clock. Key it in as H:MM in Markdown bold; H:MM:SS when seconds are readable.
**8:08:51**
